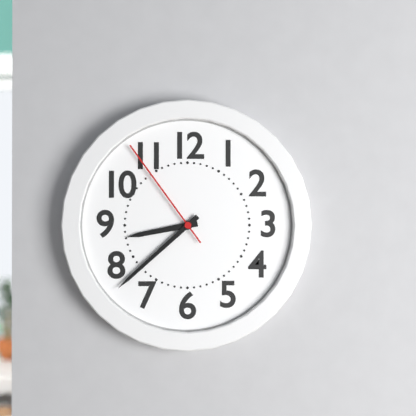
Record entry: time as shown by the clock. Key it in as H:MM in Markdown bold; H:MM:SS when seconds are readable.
**8:38:54**
